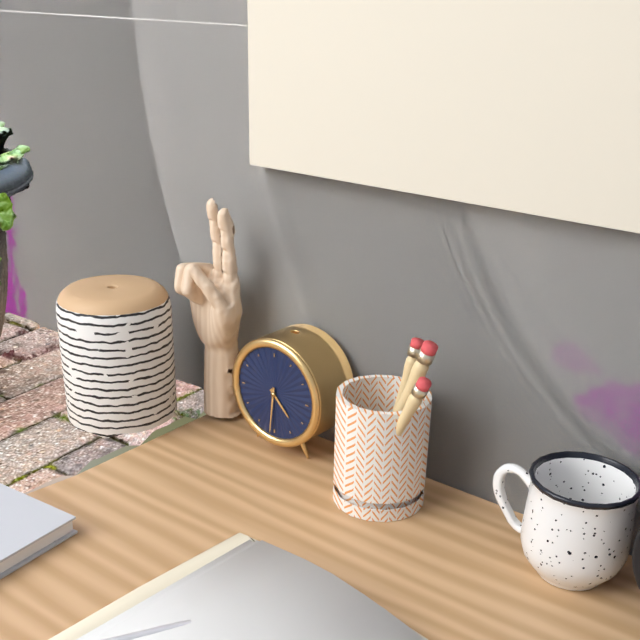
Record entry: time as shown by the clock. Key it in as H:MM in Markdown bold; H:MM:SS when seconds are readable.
**4:31**
